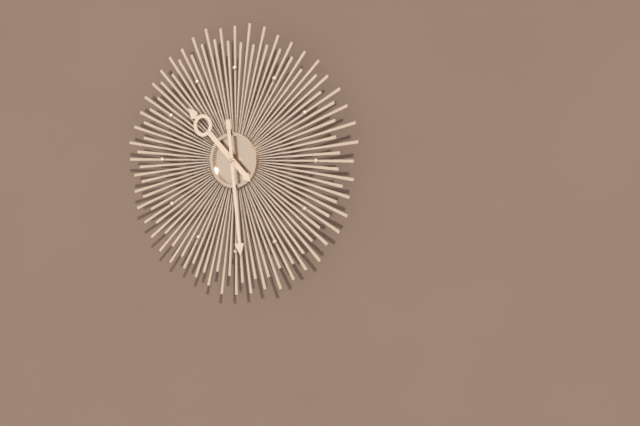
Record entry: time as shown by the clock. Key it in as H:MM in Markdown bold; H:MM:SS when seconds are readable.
**10:29**
